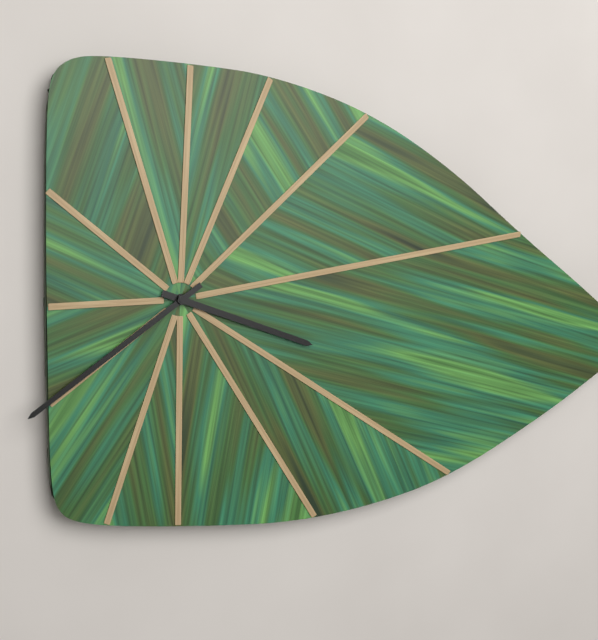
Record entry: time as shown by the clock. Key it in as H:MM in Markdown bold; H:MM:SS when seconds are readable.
**3:39**
